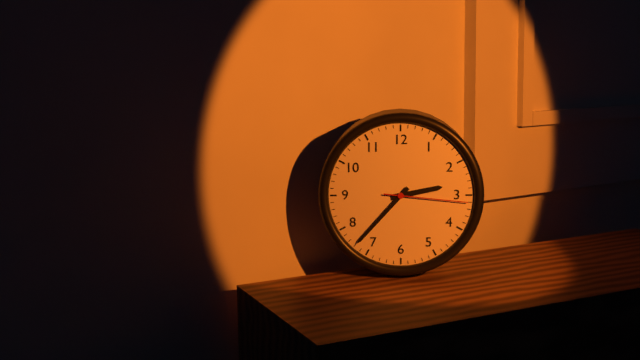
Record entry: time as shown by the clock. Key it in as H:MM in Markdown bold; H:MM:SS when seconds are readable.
**2:37:16**
